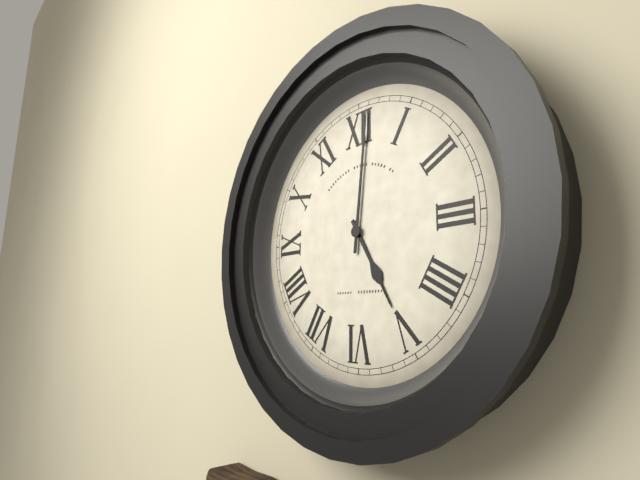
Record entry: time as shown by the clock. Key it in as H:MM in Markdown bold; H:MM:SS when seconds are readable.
**5:01**
